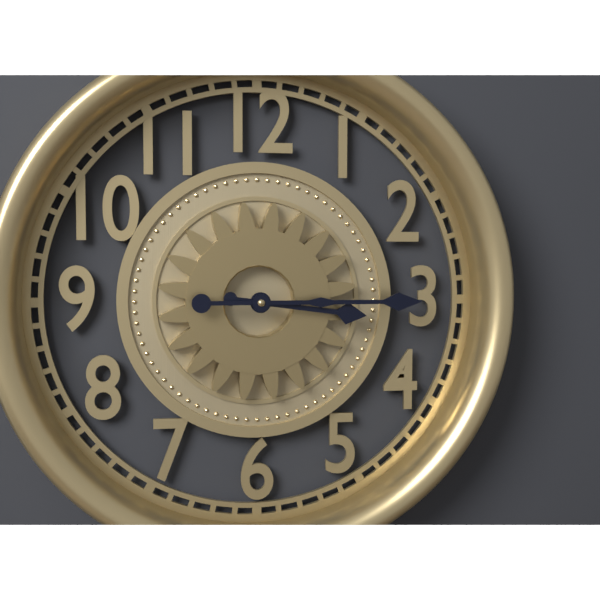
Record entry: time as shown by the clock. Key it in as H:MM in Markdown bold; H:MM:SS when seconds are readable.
**3:15**
